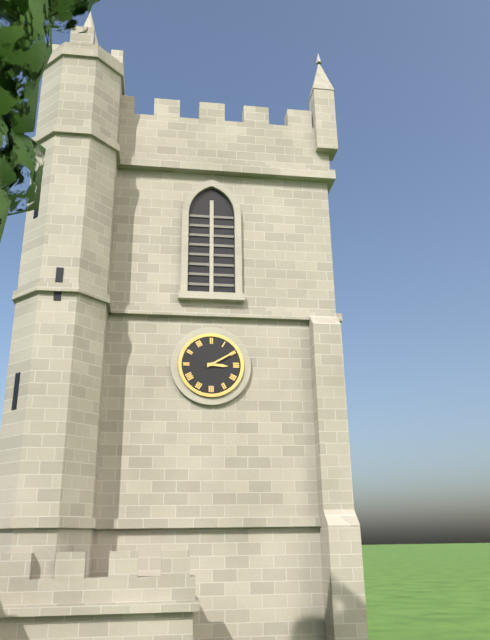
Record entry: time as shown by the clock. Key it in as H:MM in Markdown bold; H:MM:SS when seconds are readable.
**3:10**
